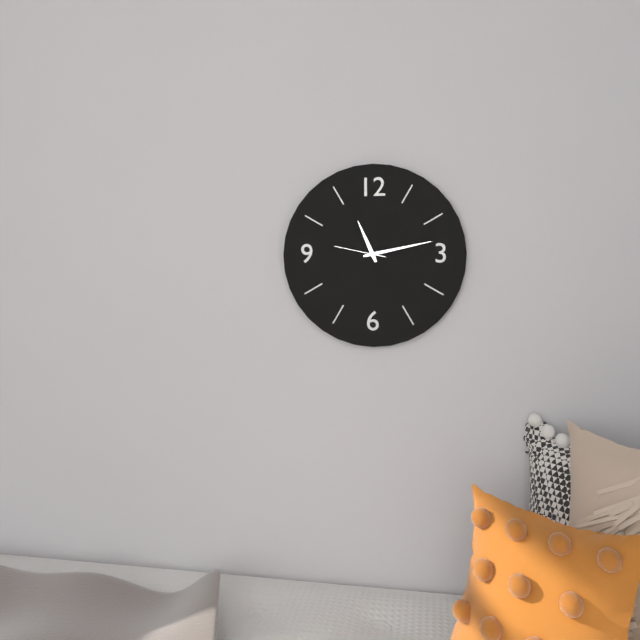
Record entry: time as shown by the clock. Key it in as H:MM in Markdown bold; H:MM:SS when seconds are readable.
**11:13**
